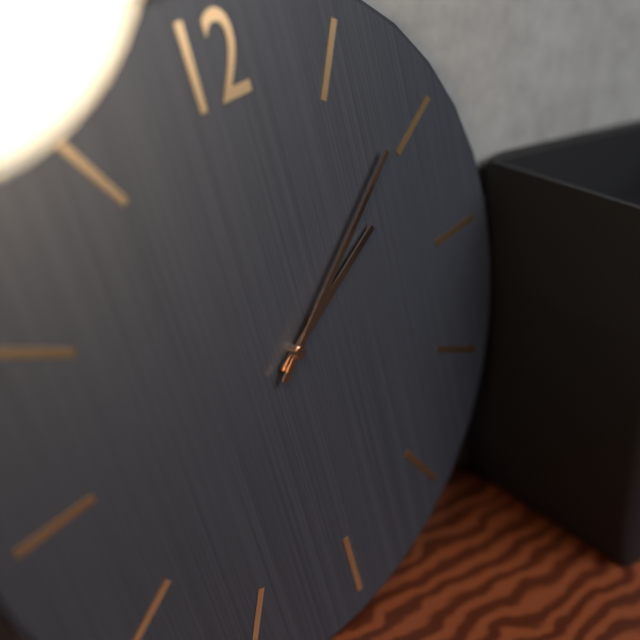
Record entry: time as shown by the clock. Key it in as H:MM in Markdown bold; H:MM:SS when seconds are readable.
**2:09**
